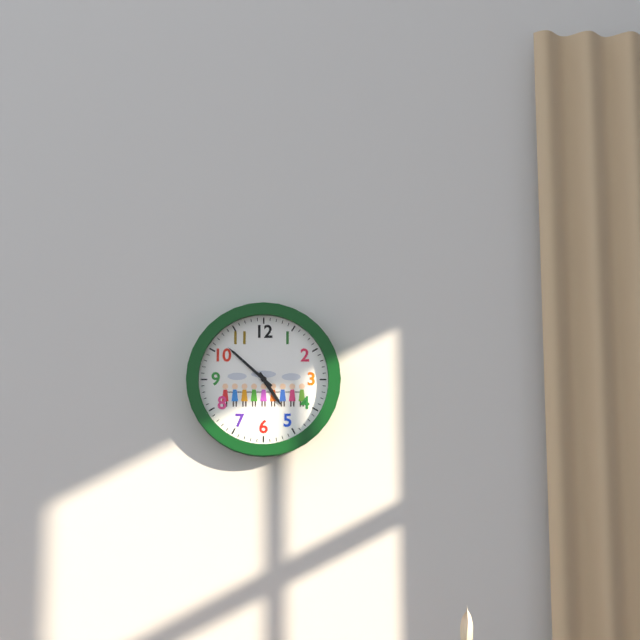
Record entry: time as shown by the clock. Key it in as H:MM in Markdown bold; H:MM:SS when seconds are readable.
**4:52**
